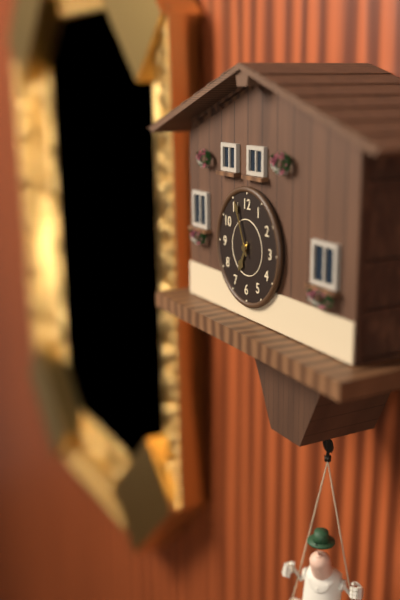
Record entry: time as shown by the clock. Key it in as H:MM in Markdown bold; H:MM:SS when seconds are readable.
**6:56**
